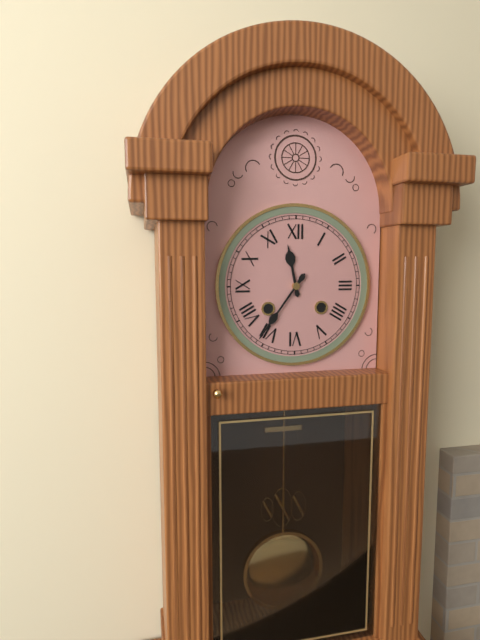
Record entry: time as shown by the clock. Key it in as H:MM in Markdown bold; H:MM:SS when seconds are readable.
**11:36**
